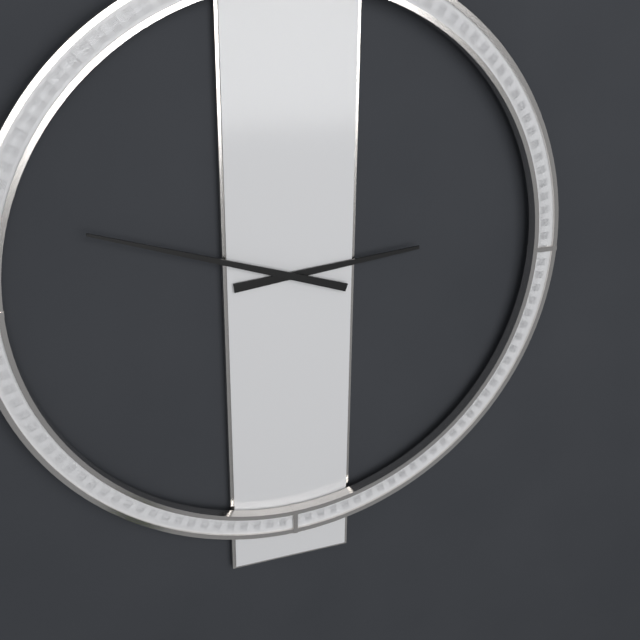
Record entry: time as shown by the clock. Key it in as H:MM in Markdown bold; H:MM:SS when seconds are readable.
**2:48**
